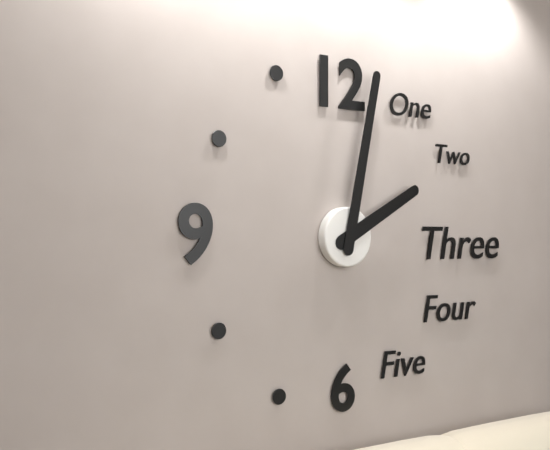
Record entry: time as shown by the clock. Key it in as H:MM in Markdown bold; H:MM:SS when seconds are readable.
**2:02**
